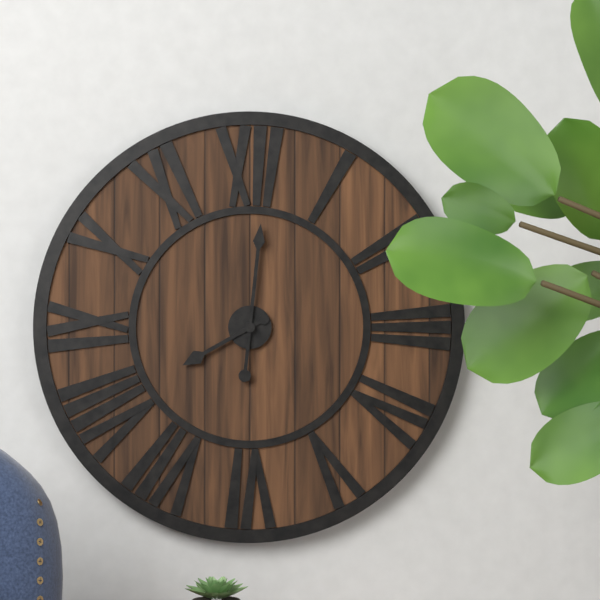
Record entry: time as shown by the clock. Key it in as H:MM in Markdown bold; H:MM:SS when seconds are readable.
**8:01**
